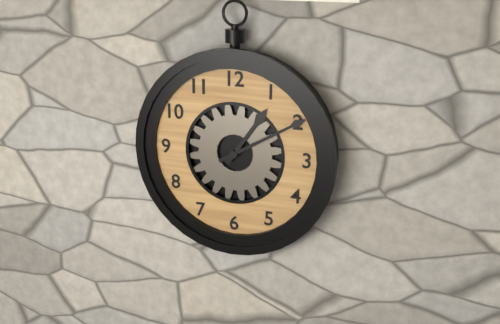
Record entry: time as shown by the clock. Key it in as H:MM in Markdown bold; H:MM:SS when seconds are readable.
**1:10**
